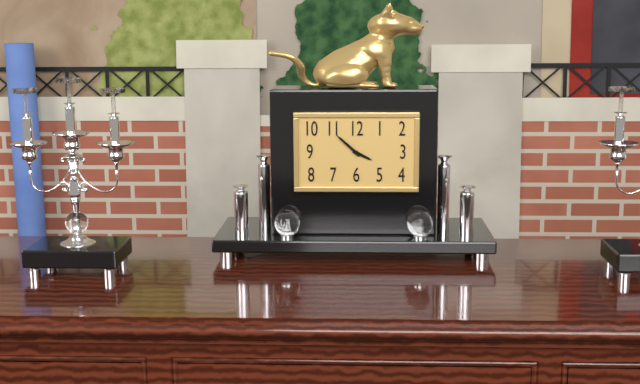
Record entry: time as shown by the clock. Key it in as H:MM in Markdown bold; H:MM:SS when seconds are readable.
**3:52**
